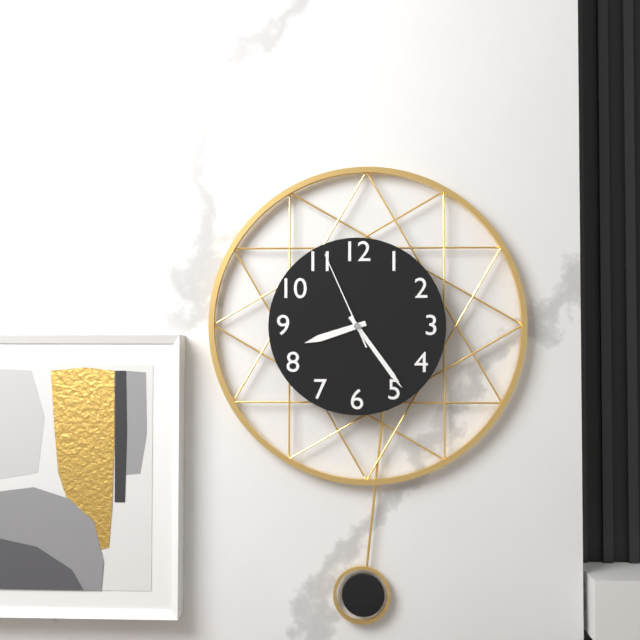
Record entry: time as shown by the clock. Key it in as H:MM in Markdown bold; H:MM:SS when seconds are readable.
**8:24:56**
